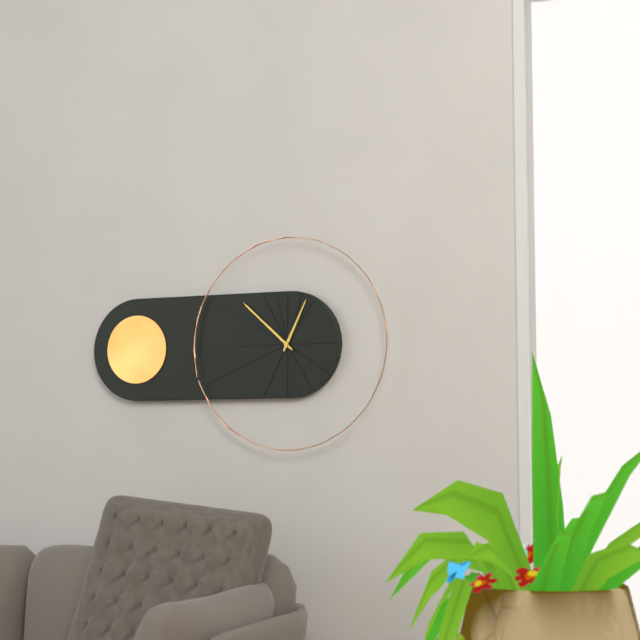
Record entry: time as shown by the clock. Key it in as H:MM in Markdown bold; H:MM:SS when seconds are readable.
**12:52**
